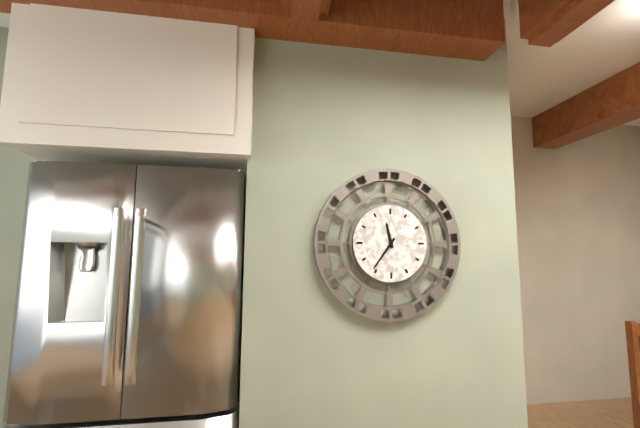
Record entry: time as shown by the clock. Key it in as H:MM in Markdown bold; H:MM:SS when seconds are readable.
**11:36**
